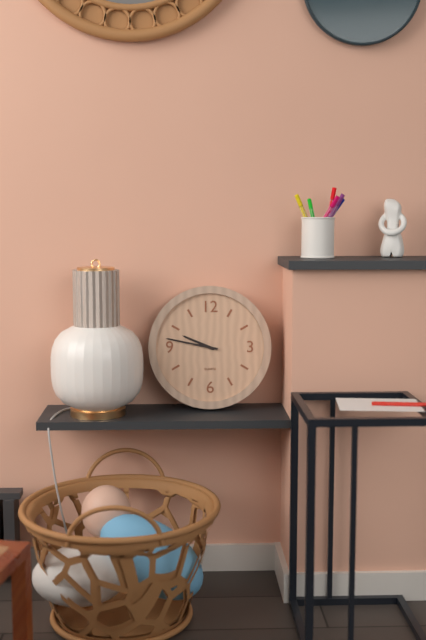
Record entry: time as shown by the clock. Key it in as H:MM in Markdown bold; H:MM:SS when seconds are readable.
**9:47**
